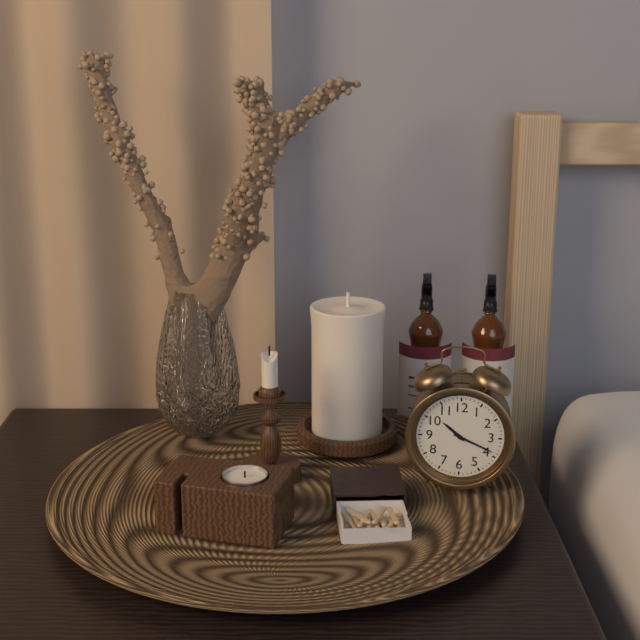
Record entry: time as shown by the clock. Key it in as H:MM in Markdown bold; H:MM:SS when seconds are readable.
**10:19**
